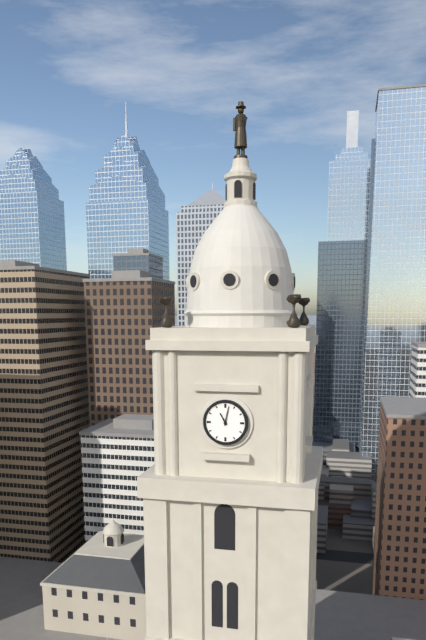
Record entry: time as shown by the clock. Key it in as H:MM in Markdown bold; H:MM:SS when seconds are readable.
**11:02**
